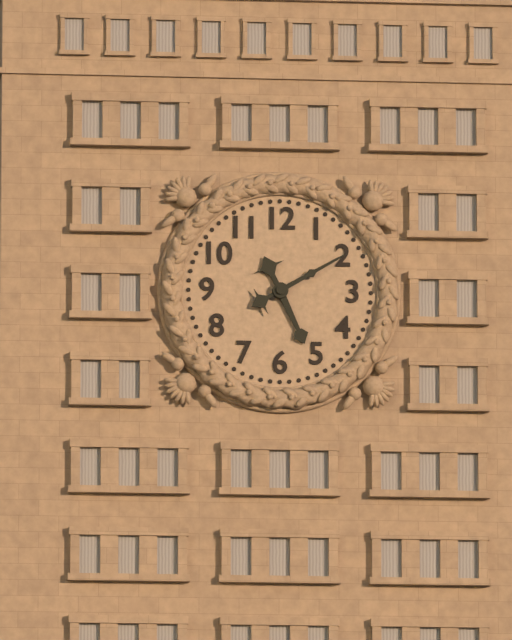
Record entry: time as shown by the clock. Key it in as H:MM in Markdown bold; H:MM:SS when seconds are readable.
**5:10**
